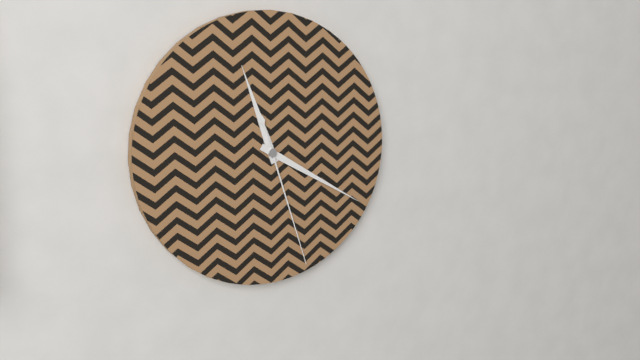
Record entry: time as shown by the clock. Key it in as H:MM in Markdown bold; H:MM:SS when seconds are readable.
**11:20:27**
